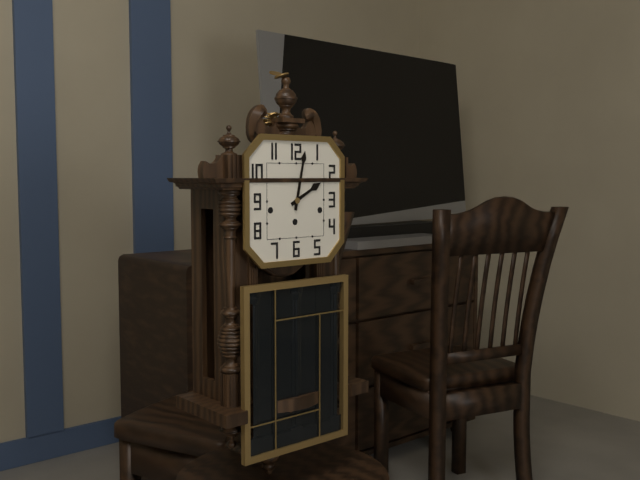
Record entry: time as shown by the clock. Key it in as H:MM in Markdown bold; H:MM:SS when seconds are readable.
**2:02**
